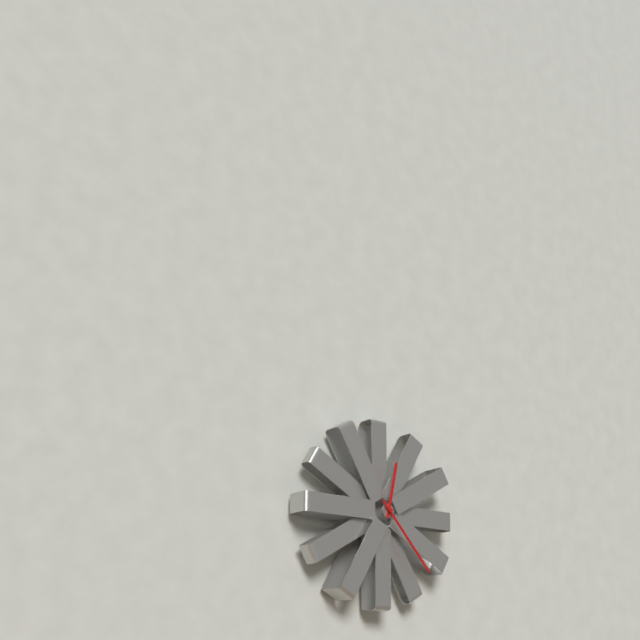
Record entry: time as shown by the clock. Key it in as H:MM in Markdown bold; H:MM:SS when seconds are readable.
**12:23**
